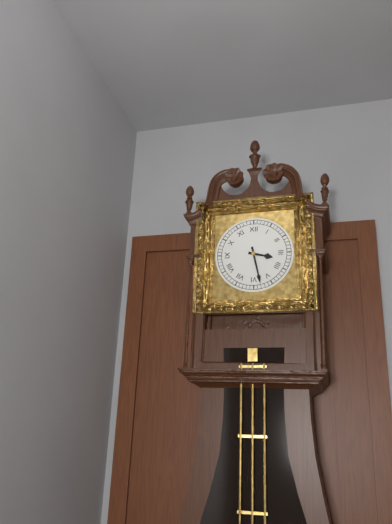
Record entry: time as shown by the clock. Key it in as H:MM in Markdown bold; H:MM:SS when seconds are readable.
**3:28**
